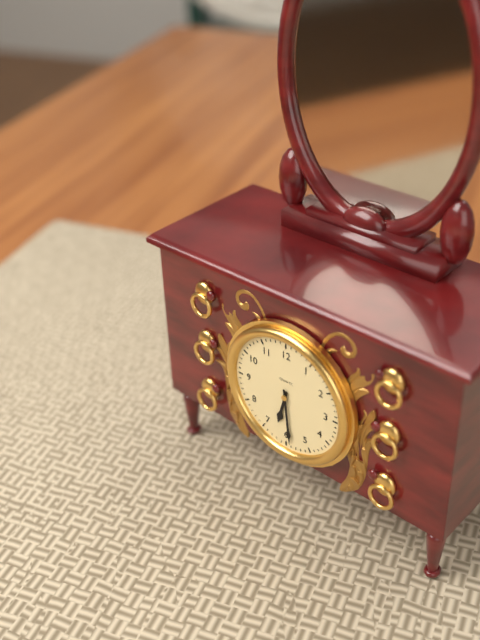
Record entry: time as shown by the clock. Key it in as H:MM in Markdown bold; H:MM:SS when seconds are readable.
**6:29**
